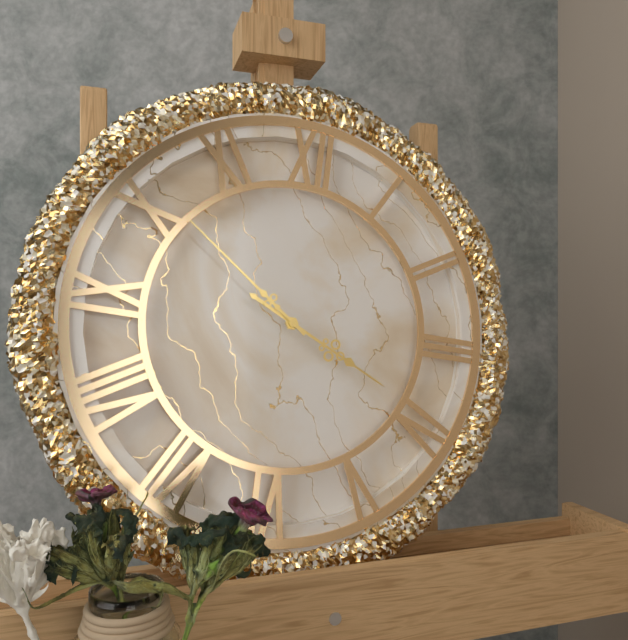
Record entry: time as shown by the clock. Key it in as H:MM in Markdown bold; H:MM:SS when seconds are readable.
**3:51**
